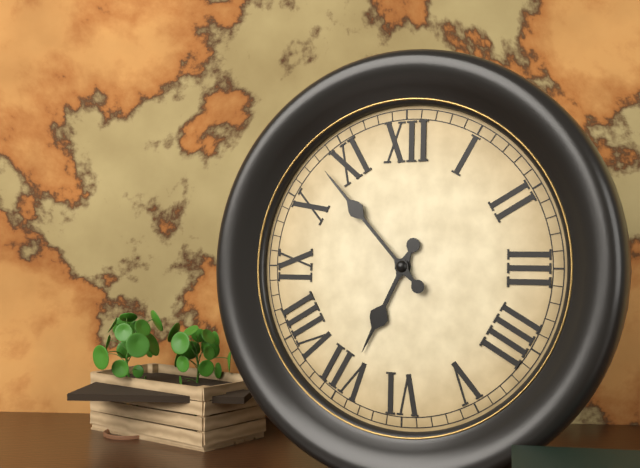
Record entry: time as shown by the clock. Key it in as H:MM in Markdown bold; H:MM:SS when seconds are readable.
**6:53**
